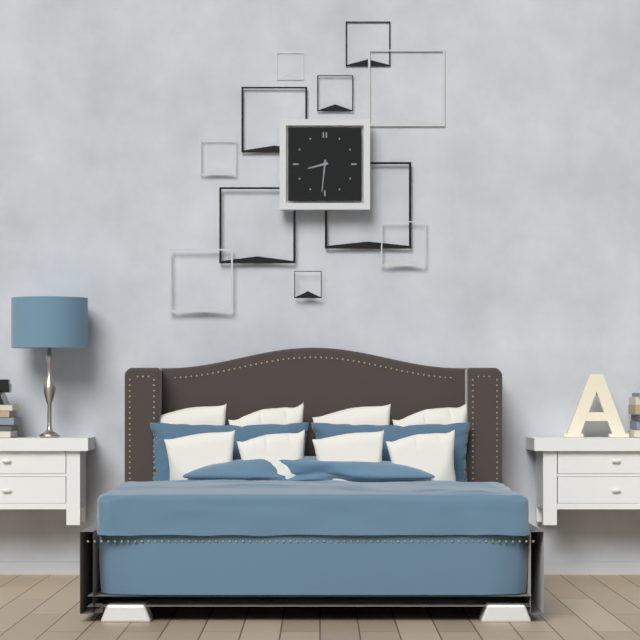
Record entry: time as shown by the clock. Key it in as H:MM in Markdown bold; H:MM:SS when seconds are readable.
**8:31**
